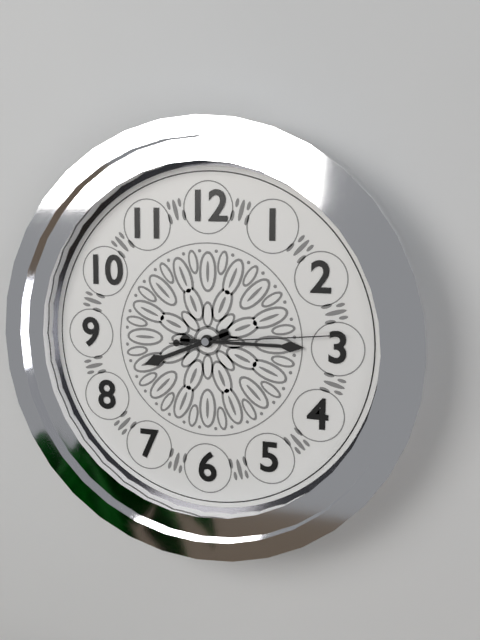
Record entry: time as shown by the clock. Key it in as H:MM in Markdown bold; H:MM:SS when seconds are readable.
**8:15:14**
